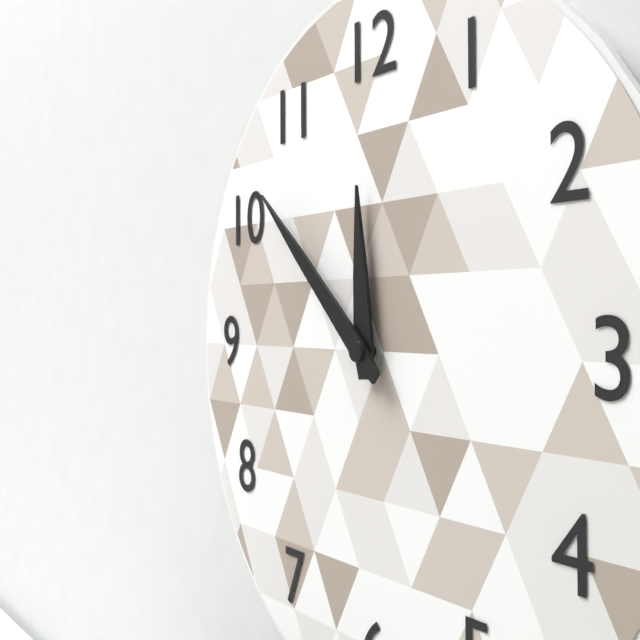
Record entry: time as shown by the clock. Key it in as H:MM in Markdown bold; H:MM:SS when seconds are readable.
**11:52**
